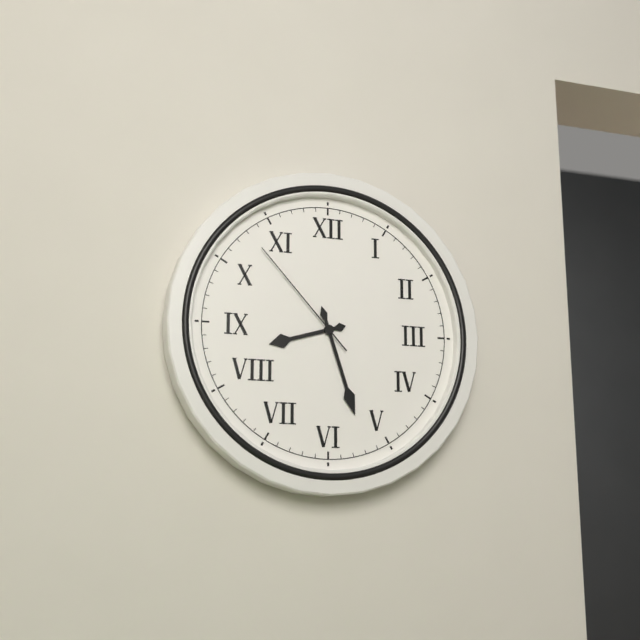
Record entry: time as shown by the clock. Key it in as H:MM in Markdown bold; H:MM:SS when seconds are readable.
**8:27:53**
